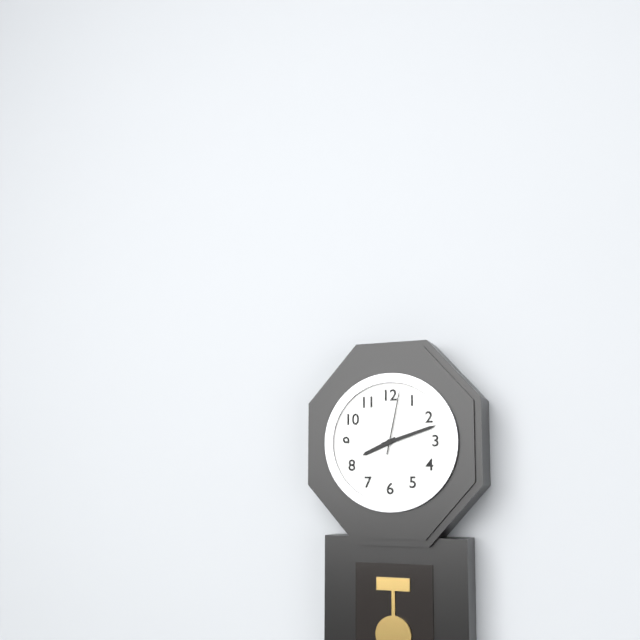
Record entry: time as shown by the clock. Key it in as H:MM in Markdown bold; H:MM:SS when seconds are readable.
**8:12:02**
